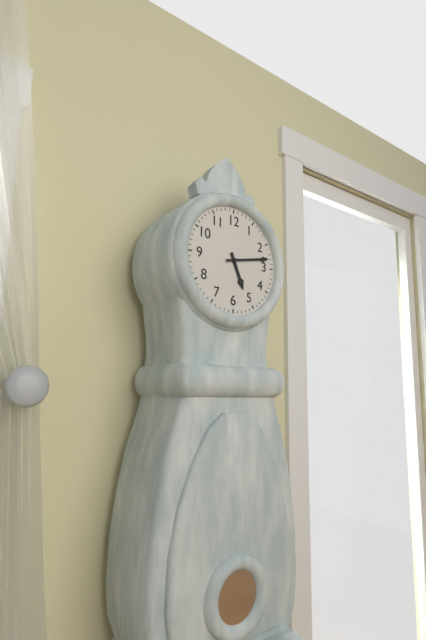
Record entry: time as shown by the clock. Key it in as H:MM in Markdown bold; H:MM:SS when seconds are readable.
**5:13**
